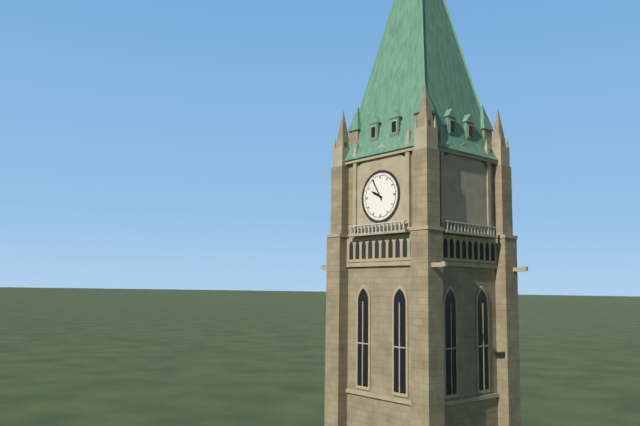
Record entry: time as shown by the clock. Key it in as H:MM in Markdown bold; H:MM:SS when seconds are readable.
**9:55**
